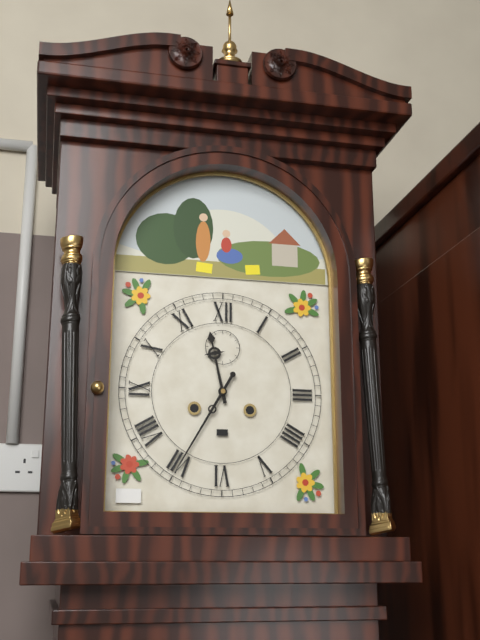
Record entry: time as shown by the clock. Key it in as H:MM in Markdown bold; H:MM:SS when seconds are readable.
**11:35**
